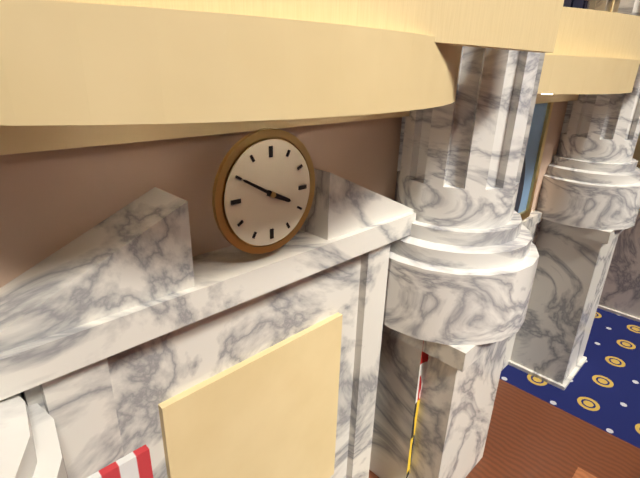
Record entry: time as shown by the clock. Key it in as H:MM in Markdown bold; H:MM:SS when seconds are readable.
**3:50**
